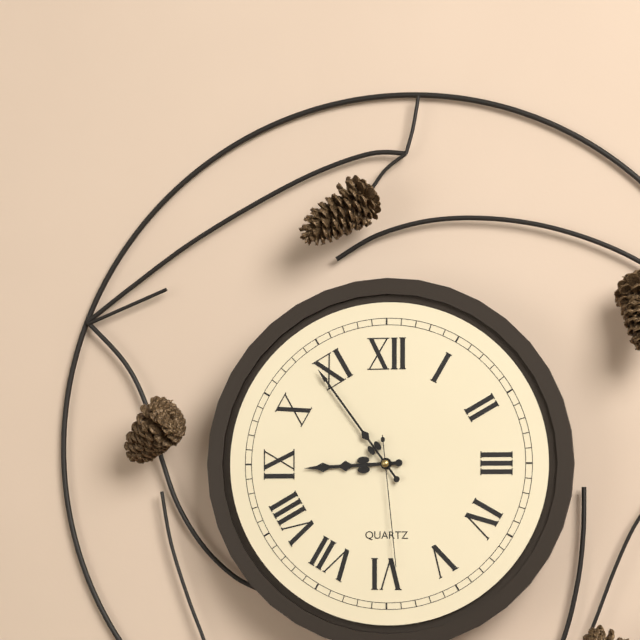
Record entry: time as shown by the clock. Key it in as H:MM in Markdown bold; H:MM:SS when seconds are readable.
**8:54:29**
